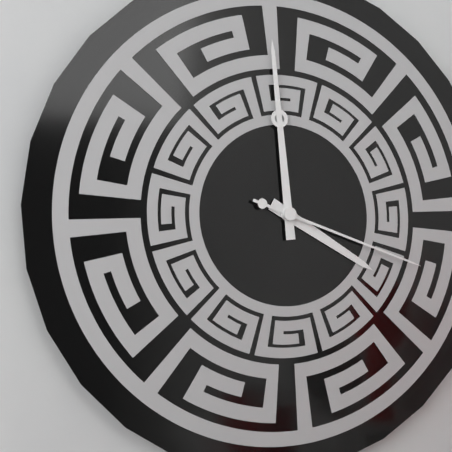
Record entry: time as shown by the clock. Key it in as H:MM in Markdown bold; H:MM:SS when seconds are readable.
**3:59:18**
